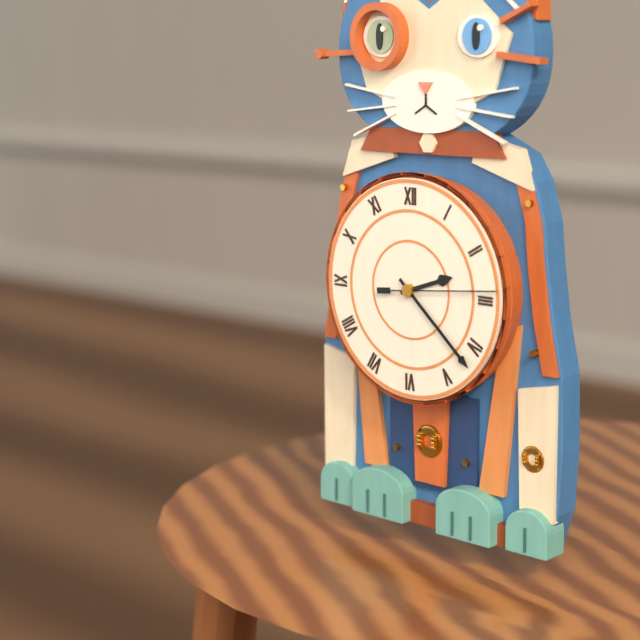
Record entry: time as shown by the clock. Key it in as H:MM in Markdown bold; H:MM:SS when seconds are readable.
**2:22:14**
